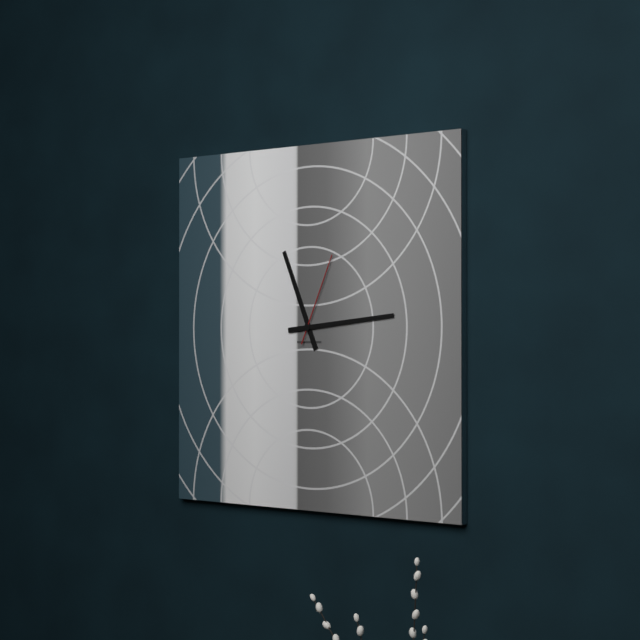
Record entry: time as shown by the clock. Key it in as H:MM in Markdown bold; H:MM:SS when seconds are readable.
**11:14:04**
